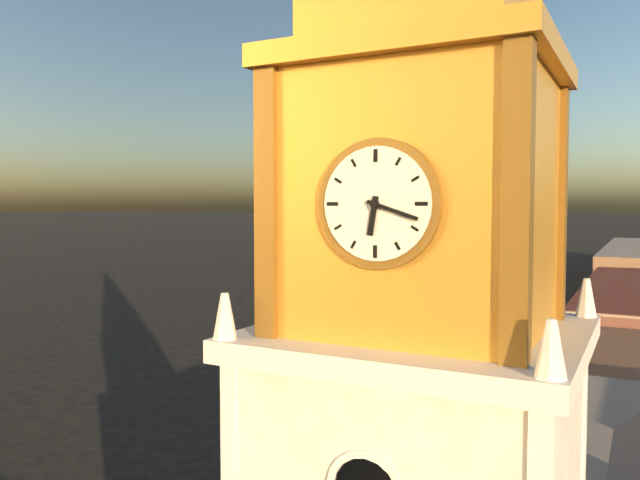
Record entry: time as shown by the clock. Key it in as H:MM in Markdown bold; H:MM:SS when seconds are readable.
**6:18**
